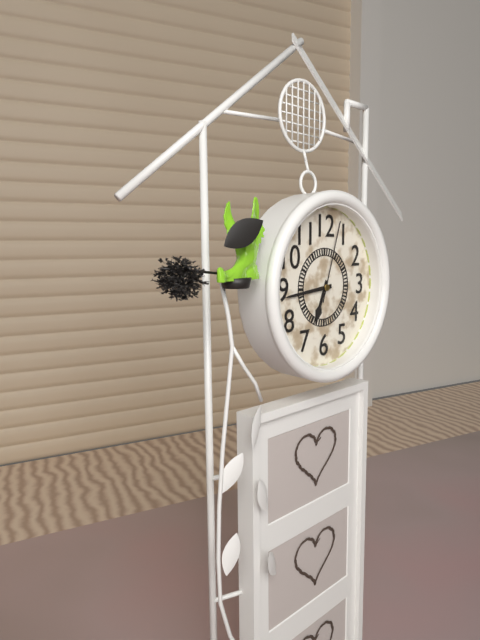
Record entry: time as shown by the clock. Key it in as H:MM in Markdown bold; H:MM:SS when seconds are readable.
**6:44:03**
